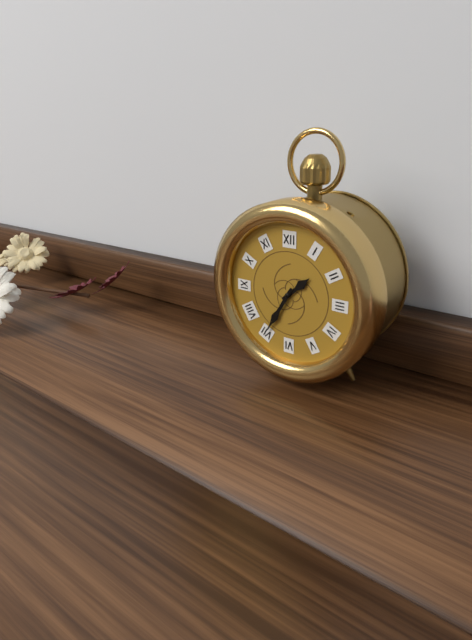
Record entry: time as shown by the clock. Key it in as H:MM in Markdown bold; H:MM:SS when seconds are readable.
**1:35**
